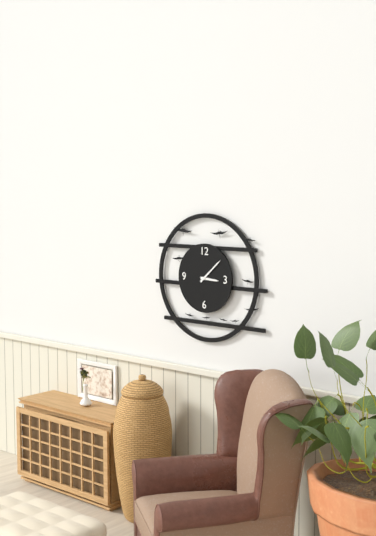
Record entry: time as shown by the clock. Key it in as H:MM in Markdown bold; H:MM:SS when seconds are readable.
**3:08**
